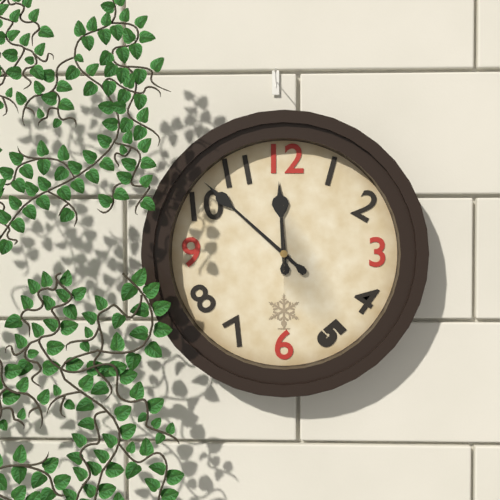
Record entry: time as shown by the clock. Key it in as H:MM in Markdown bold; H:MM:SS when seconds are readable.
**11:52**
